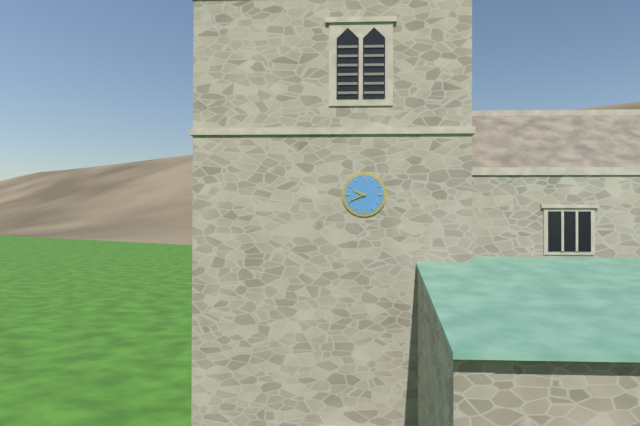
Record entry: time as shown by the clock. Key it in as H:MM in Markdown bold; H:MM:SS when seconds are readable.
**9:41**
